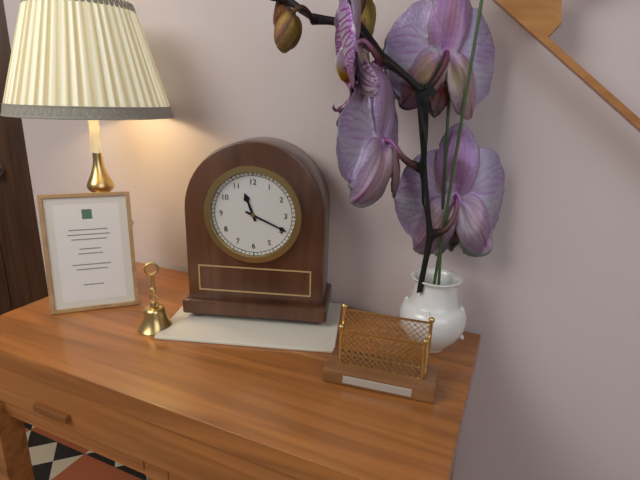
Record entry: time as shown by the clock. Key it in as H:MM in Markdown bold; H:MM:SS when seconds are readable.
**11:19**
